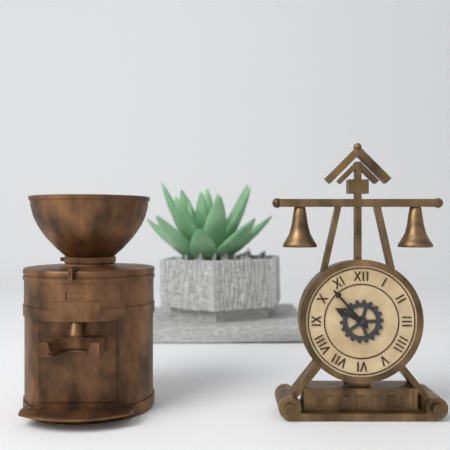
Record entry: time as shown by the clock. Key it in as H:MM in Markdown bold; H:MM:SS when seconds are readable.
**9:53**
